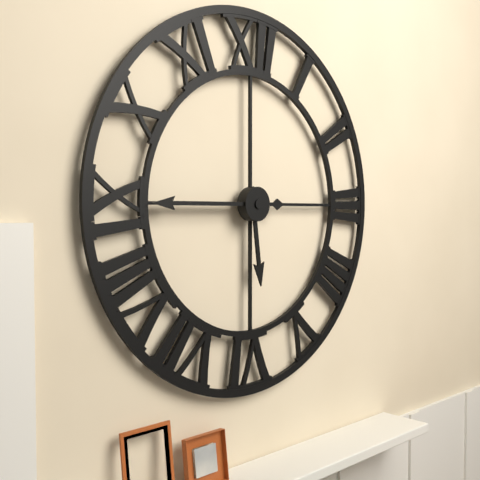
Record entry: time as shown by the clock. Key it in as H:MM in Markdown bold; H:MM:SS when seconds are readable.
**5:45**
